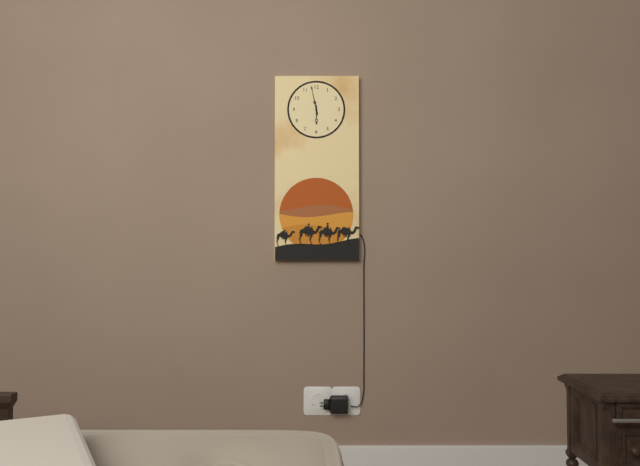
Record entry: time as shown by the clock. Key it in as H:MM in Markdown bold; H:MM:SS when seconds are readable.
**5:58**
